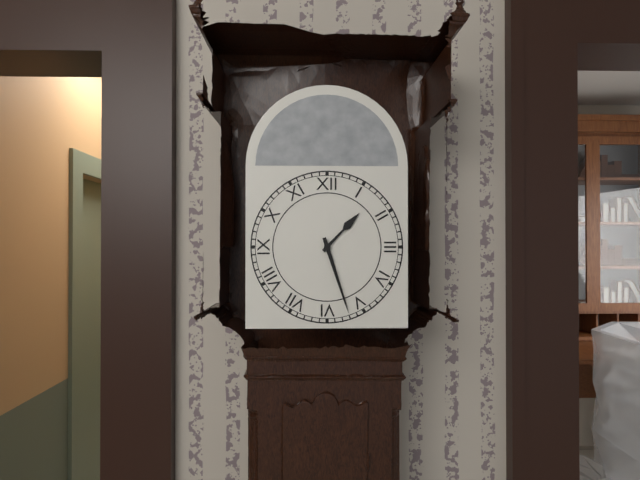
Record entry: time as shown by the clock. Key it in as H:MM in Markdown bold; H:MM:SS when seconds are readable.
**1:27**
